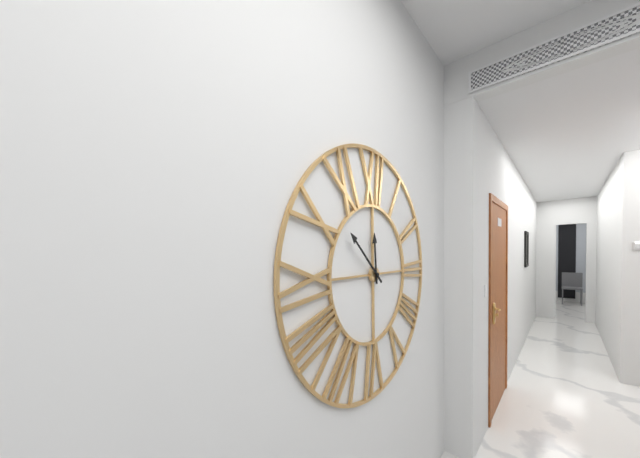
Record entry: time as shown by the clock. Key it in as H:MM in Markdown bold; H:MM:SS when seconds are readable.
**11:52**
